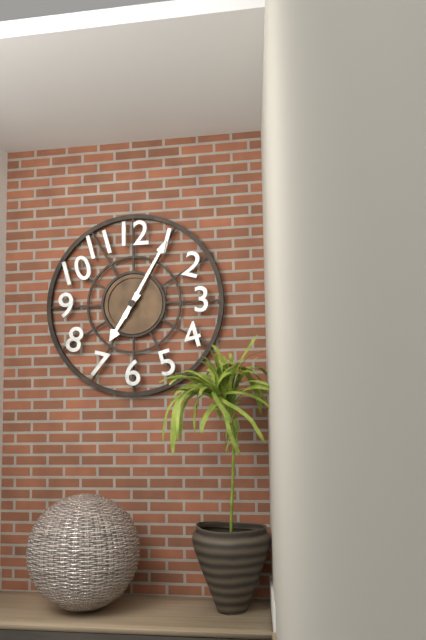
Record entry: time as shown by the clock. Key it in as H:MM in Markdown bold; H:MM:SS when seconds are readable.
**7:05**
